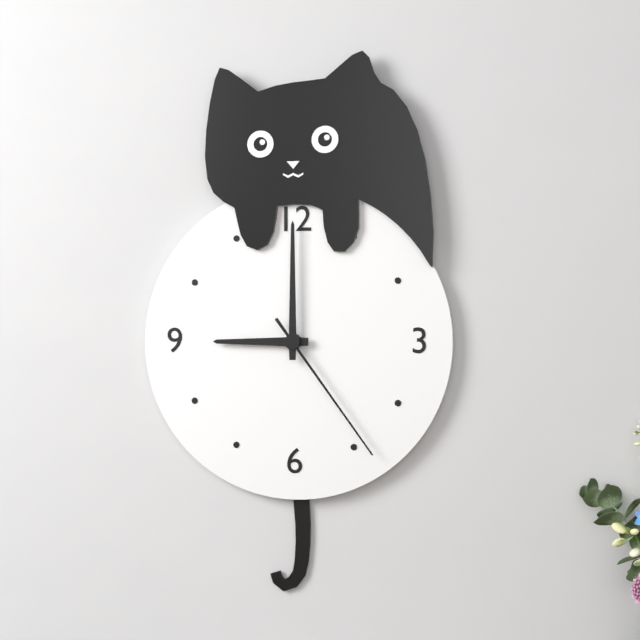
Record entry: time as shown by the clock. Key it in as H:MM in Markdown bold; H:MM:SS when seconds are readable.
**9:00:24**
